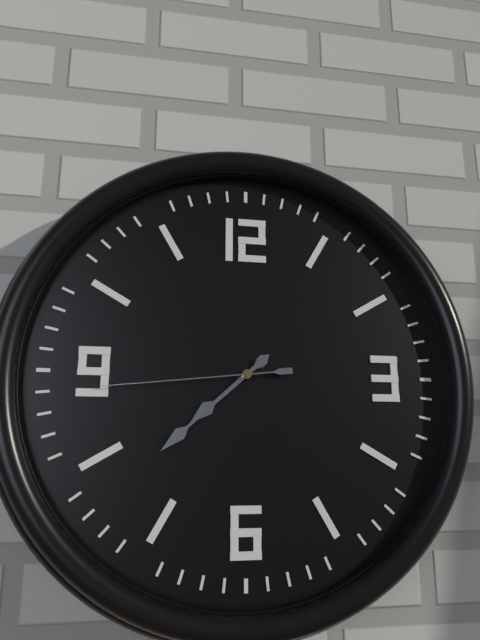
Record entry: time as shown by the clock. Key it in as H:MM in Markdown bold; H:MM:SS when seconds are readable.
**7:38:44**
